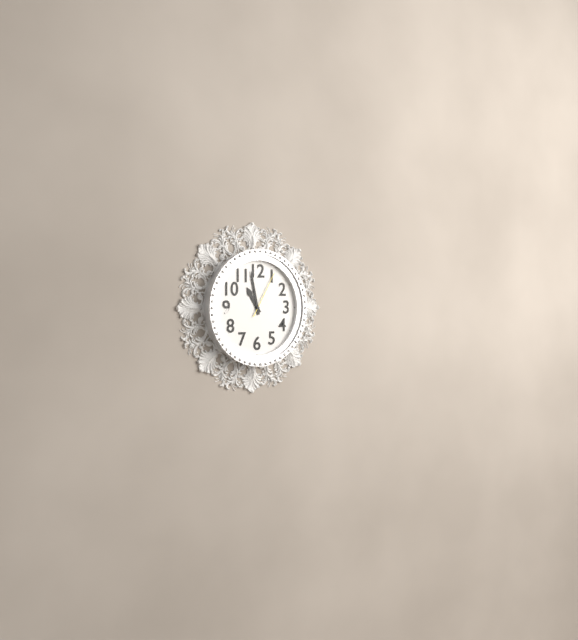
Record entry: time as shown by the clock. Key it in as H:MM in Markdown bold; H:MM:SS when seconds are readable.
**10:58**
